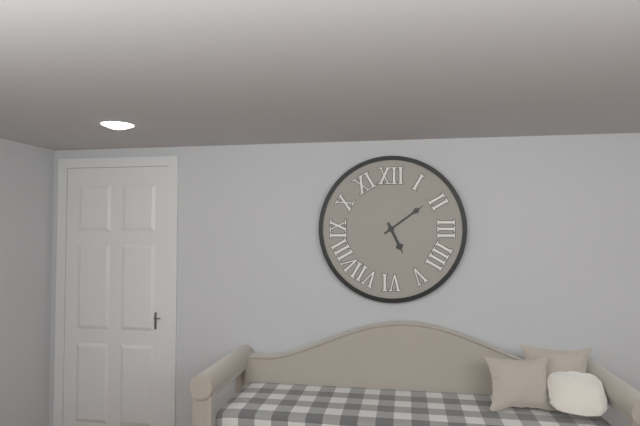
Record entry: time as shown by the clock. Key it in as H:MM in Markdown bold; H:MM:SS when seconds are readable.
**5:09**
